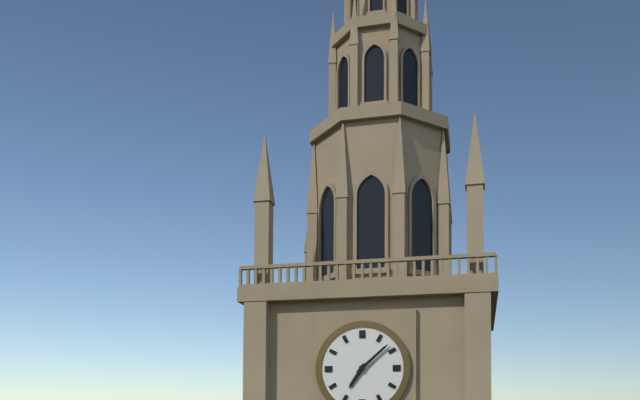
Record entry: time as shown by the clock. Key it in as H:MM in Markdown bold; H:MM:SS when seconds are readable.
**7:08**
